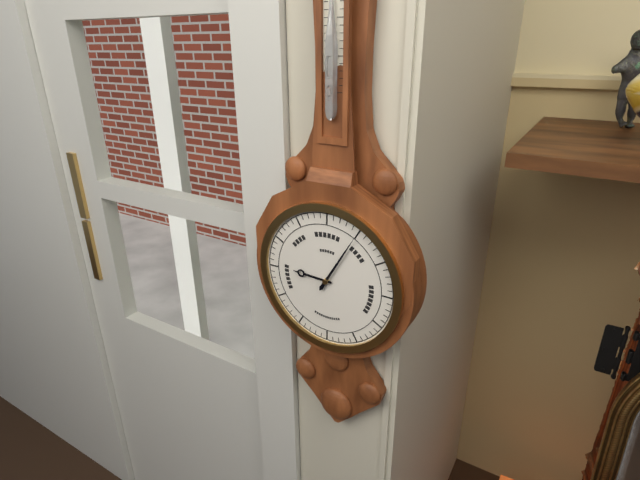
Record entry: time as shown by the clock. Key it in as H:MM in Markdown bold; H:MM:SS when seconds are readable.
**9:05**
